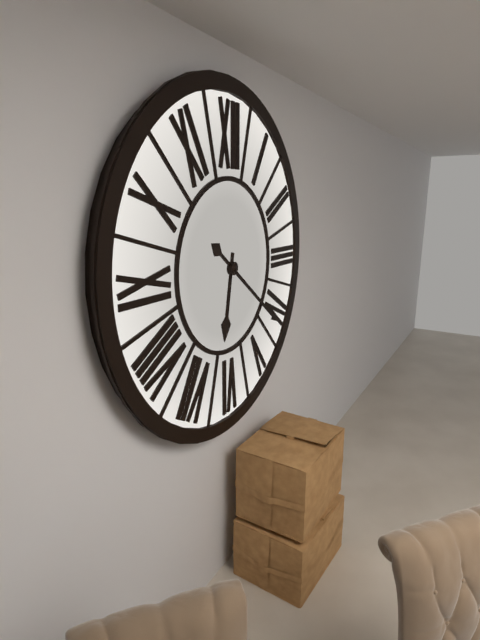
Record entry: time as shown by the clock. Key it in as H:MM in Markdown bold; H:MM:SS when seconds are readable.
**6:21**
